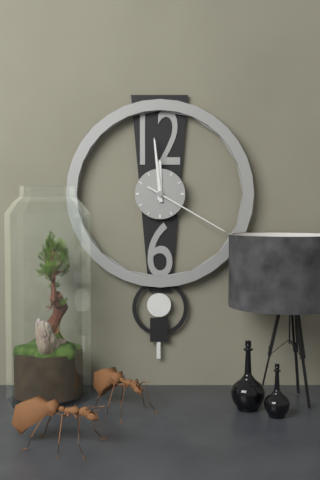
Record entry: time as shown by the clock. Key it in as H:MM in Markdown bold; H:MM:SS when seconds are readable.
**11:59:20**
